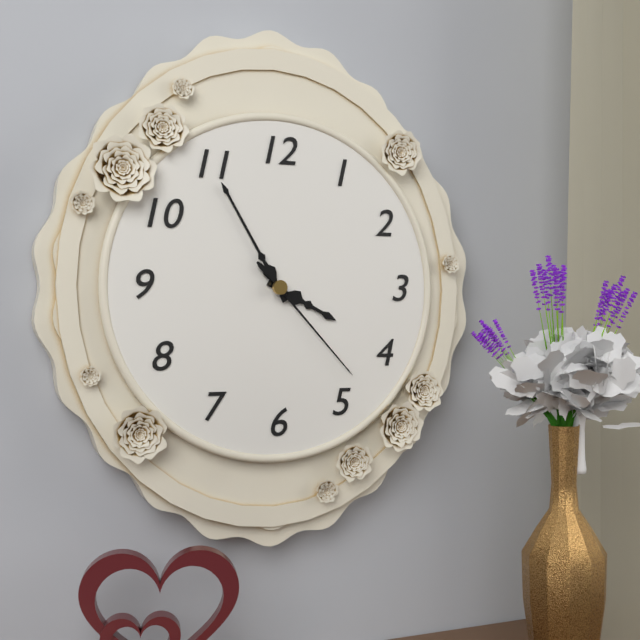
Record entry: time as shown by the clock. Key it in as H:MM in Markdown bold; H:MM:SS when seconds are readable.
**3:55:23**
